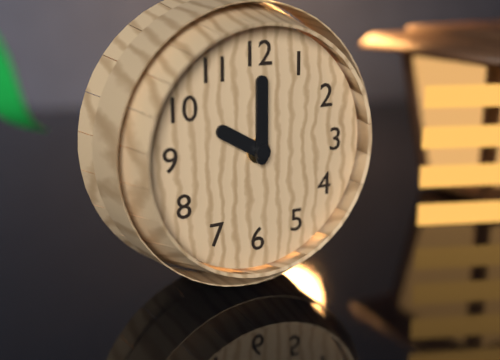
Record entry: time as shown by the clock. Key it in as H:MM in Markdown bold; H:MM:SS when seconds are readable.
**10:00**
